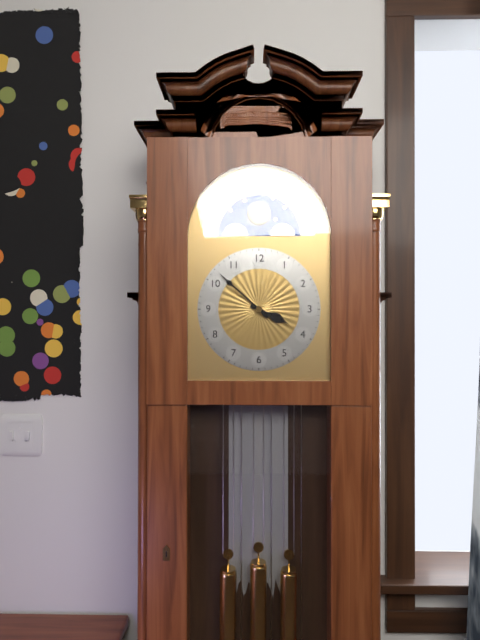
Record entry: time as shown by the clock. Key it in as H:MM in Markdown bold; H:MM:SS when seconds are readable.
**3:52**
